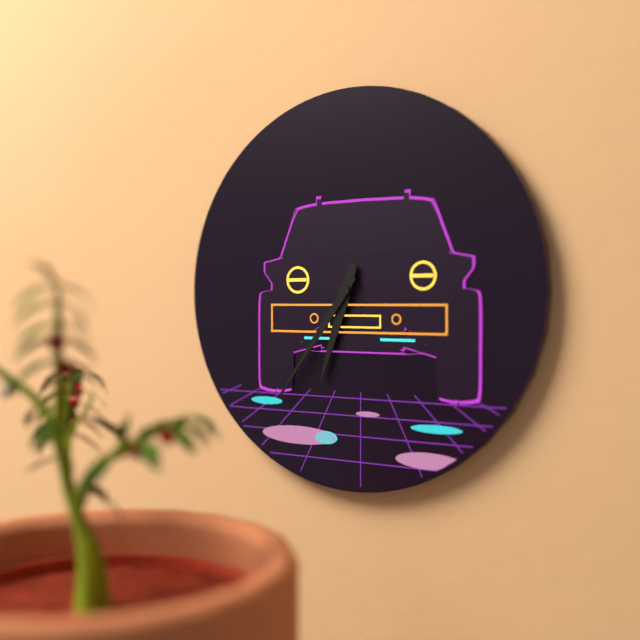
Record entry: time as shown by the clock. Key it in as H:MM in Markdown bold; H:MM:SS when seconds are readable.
**6:36**
